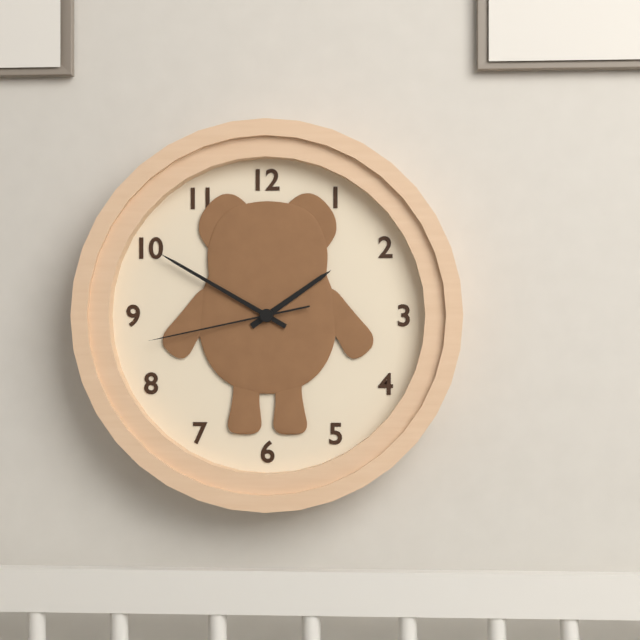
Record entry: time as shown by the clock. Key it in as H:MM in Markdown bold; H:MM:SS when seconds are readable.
**1:50:43**
